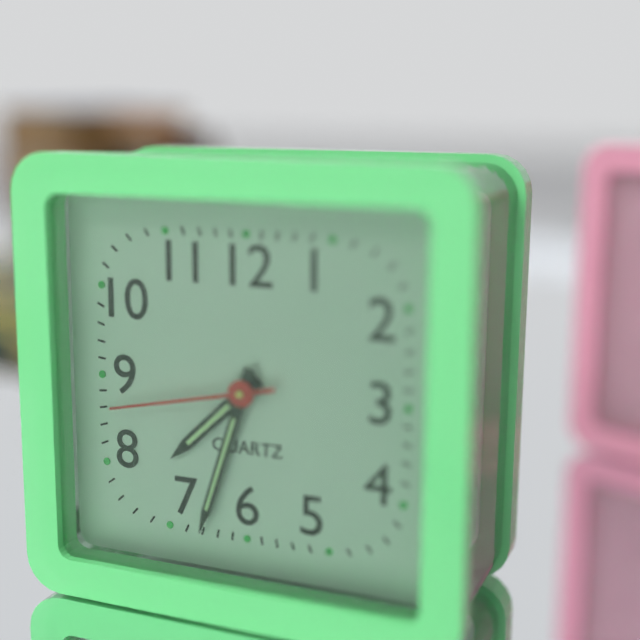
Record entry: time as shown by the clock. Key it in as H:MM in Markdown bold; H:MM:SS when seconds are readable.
**7:33:43**
